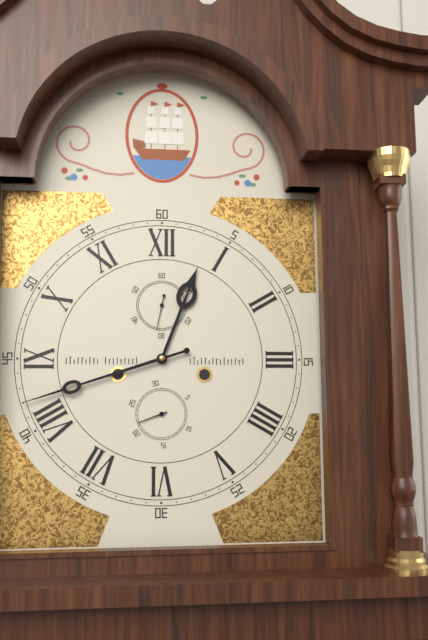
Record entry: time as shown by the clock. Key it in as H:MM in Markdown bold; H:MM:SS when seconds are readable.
**12:42**
